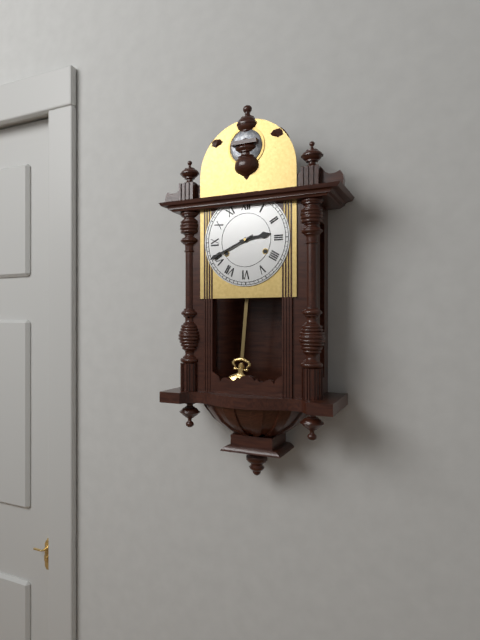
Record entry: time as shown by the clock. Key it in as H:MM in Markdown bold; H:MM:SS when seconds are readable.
**2:41**
